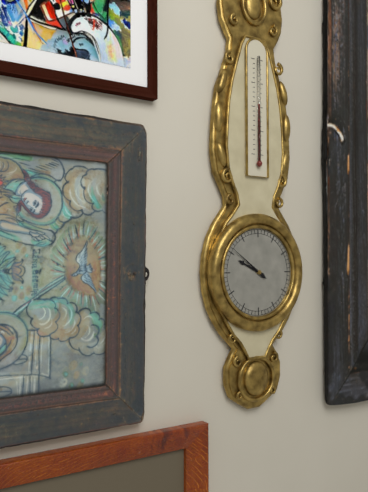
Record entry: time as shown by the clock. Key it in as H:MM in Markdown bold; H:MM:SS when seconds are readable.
**9:51**
